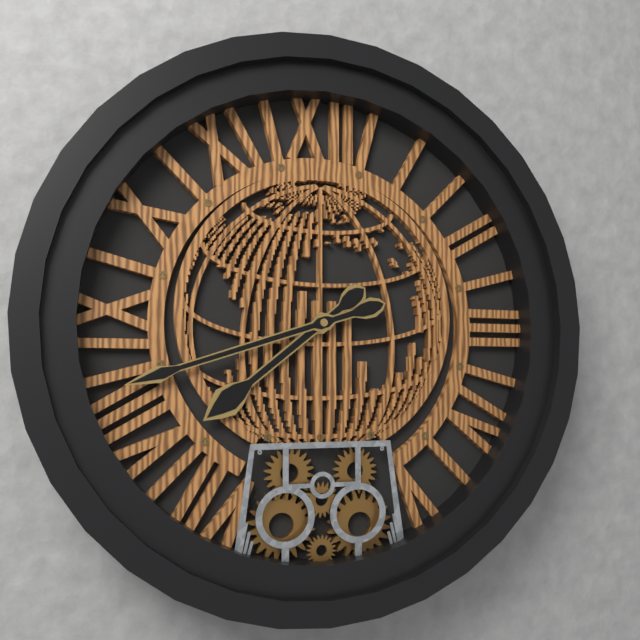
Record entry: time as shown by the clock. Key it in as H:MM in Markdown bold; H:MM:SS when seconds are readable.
**7:42**
